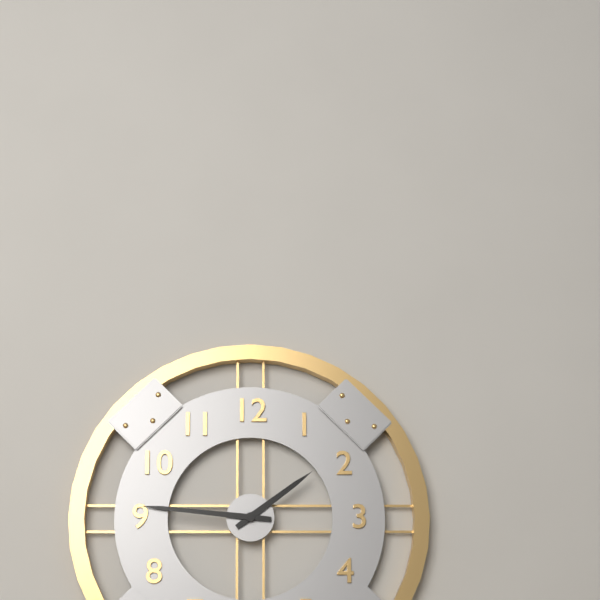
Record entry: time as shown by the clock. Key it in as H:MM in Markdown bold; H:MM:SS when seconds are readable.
**1:46**
